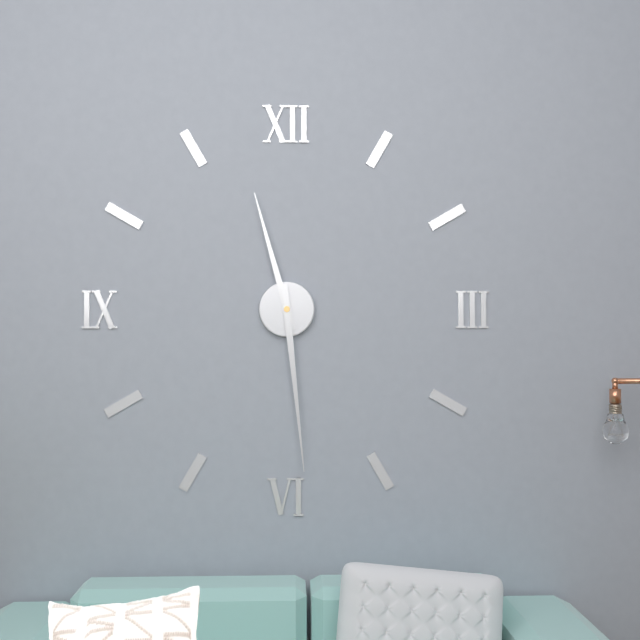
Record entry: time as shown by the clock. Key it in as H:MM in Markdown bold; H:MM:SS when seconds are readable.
**11:29**
